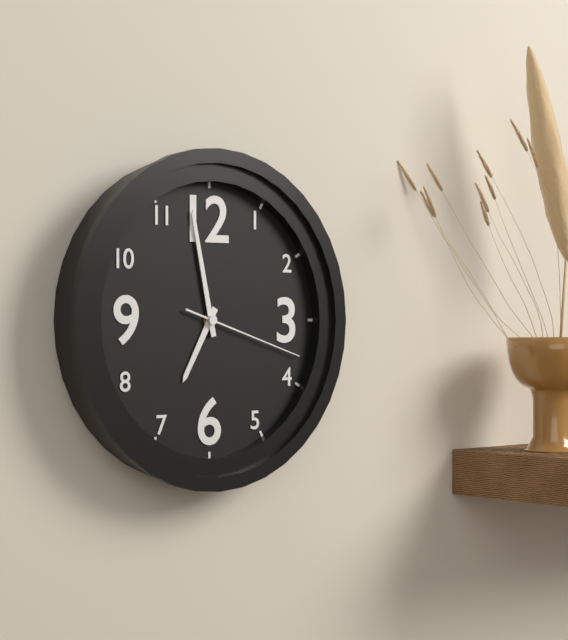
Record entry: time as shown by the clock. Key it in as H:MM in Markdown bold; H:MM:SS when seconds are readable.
**6:58:18**
